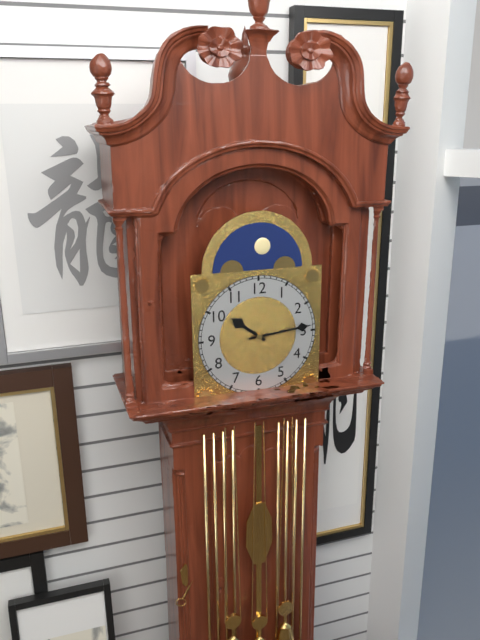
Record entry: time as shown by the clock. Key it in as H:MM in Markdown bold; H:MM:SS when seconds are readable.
**10:14**
